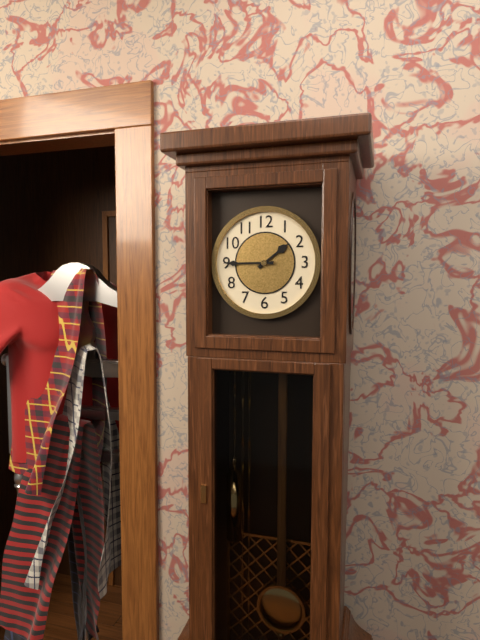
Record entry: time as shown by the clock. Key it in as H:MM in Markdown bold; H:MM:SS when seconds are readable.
**1:45**
